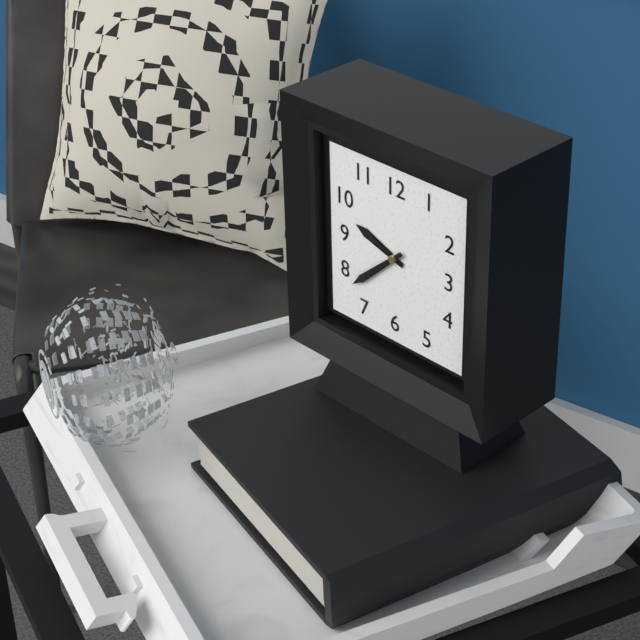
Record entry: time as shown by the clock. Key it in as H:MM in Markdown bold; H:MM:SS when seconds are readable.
**9:38**
